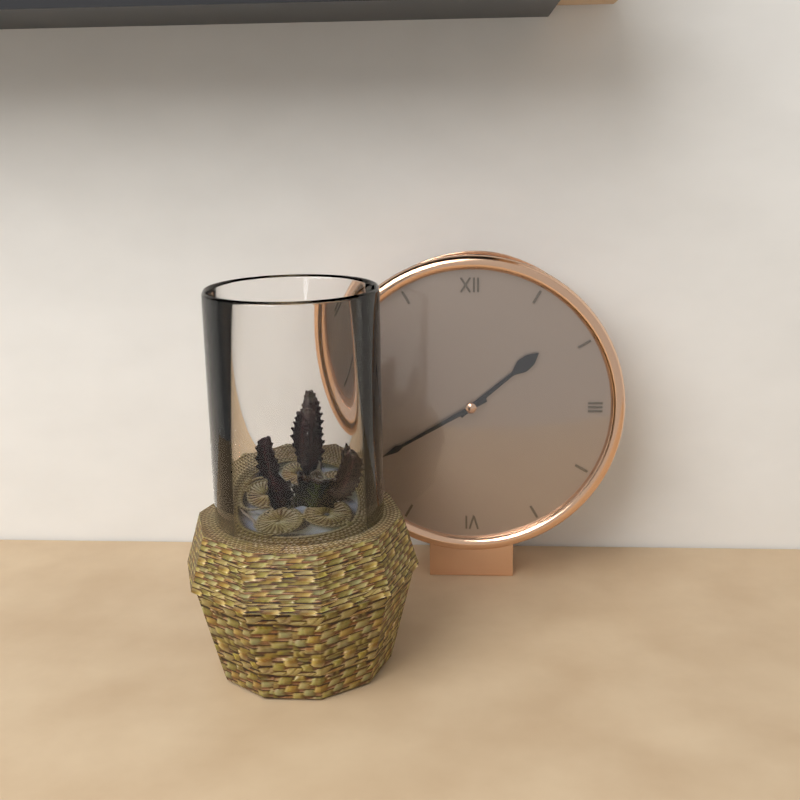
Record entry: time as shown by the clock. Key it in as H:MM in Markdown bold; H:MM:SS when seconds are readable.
**1:40**
